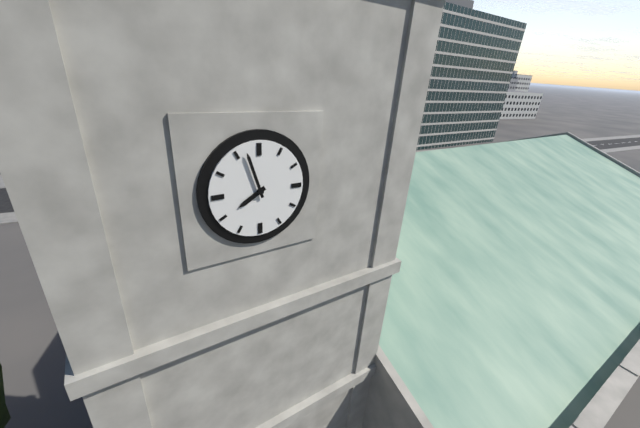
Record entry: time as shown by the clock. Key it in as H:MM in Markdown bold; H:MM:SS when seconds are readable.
**7:57**
